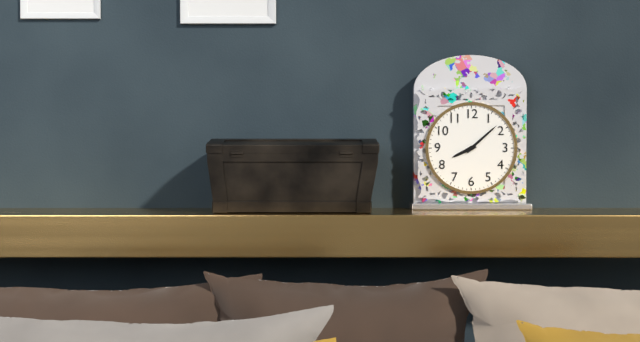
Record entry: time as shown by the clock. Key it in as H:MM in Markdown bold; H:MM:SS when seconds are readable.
**8:08**
